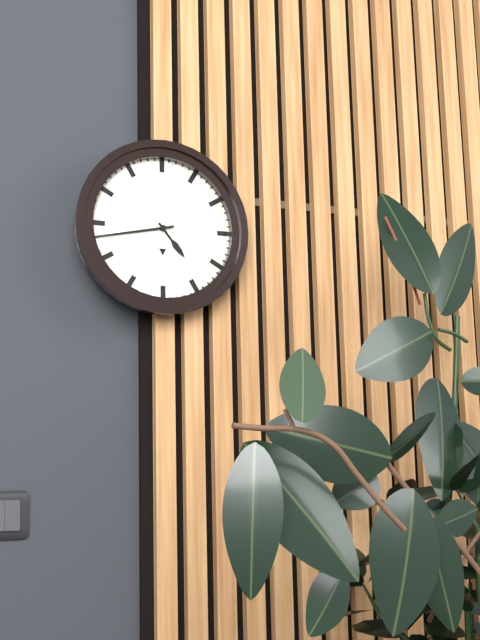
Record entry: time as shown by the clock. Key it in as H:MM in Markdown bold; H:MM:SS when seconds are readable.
**4:43**
